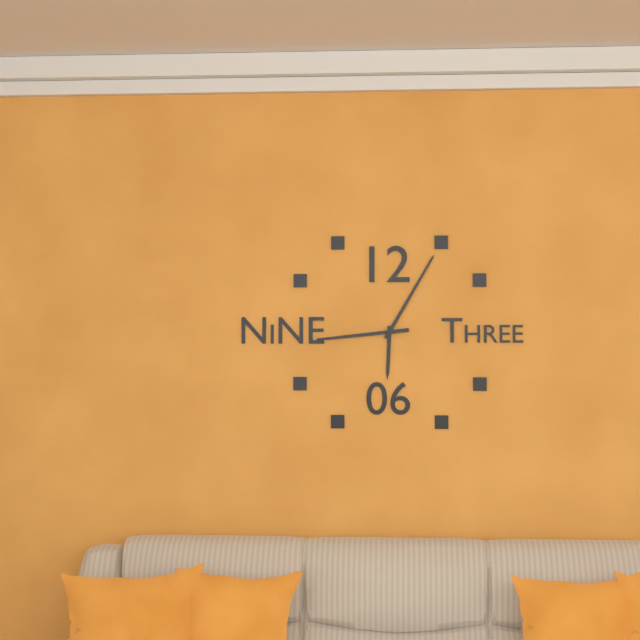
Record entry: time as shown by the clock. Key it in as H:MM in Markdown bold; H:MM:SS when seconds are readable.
**6:05:44**
